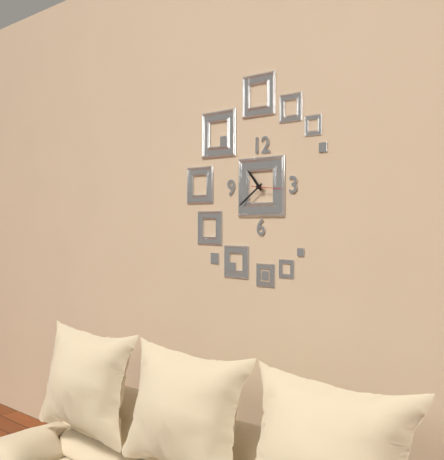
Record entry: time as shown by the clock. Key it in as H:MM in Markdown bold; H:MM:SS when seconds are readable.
**10:39**
